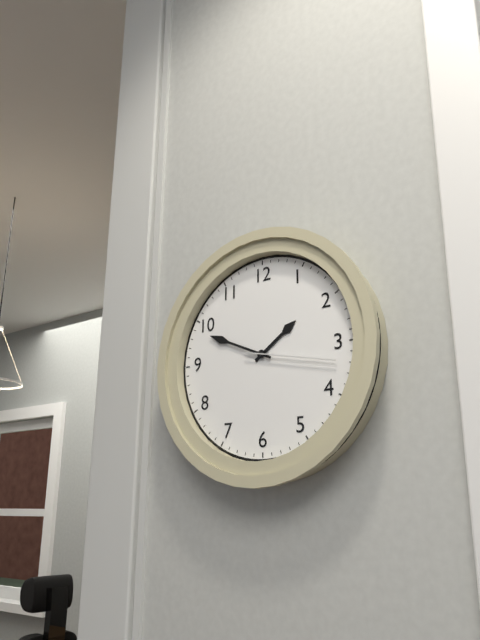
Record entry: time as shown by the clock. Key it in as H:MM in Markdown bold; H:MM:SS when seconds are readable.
**1:49:17**
